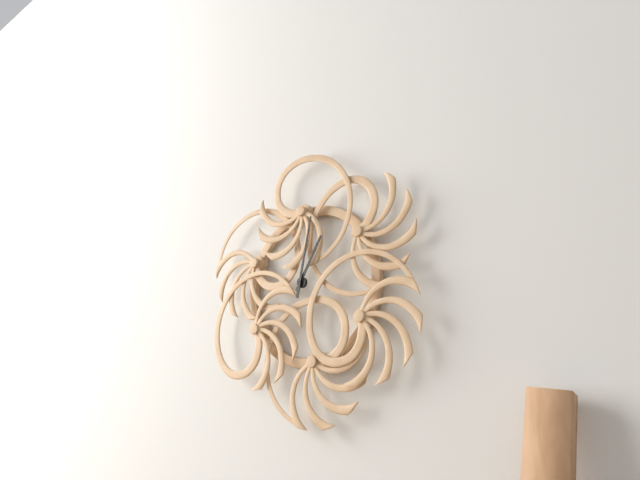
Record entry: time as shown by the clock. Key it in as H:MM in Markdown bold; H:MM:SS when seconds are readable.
**1:02**
